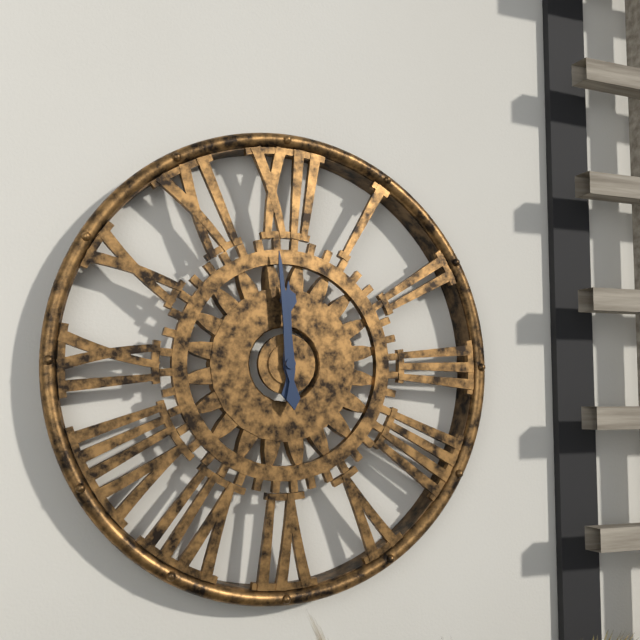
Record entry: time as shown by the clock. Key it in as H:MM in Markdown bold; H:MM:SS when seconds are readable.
**11:59**
